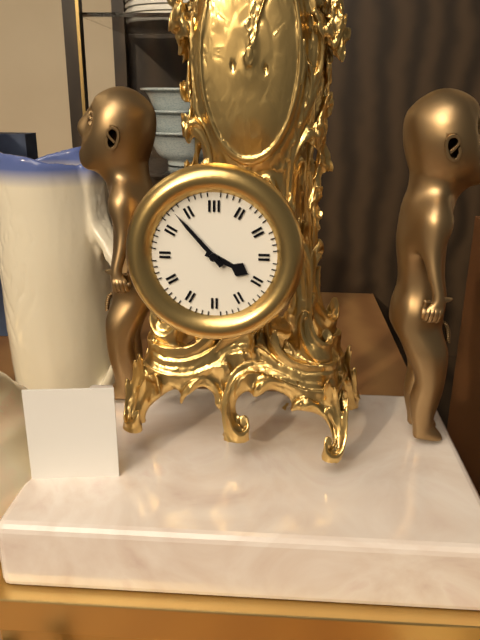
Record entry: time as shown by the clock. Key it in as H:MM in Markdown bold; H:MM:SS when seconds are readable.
**3:53**
